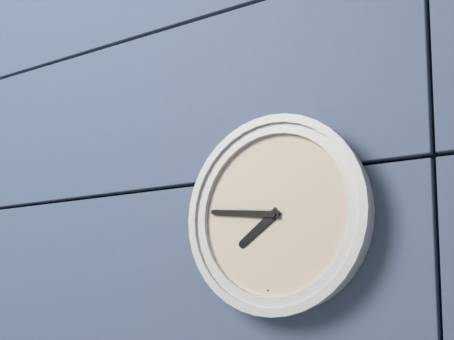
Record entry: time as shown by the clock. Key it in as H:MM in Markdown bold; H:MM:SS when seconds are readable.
**7:46**
